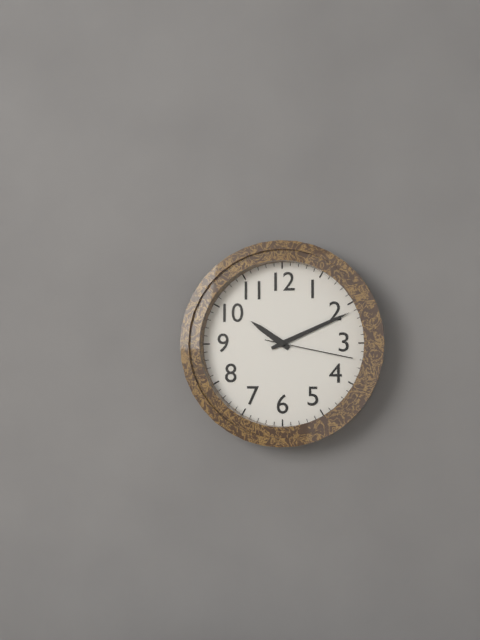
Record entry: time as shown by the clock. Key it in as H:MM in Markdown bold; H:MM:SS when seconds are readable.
**10:11:17**
